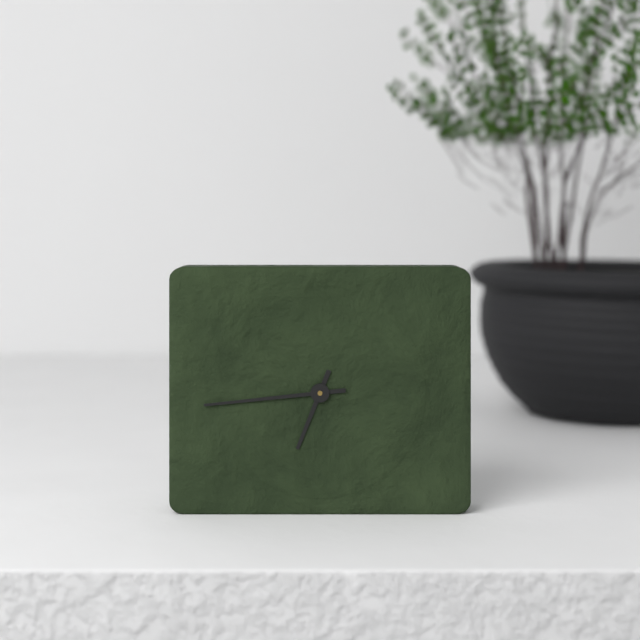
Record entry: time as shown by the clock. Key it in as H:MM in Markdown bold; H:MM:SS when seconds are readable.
**6:44**
